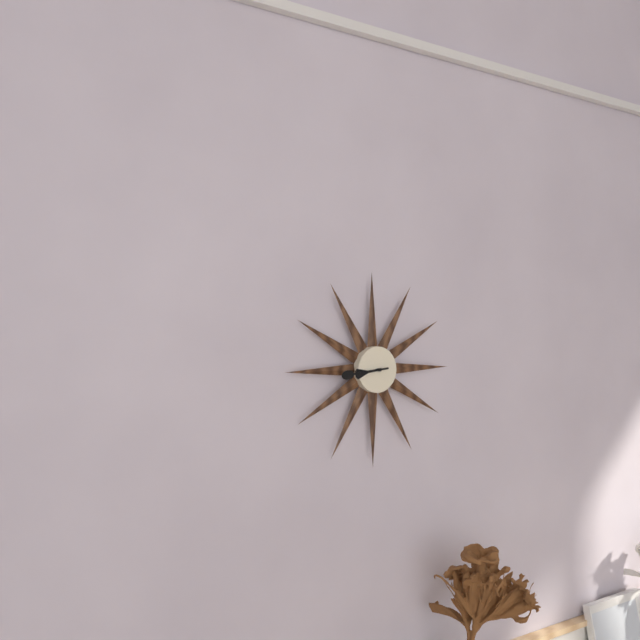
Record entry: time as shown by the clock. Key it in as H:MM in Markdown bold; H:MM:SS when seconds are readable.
**8:44**
